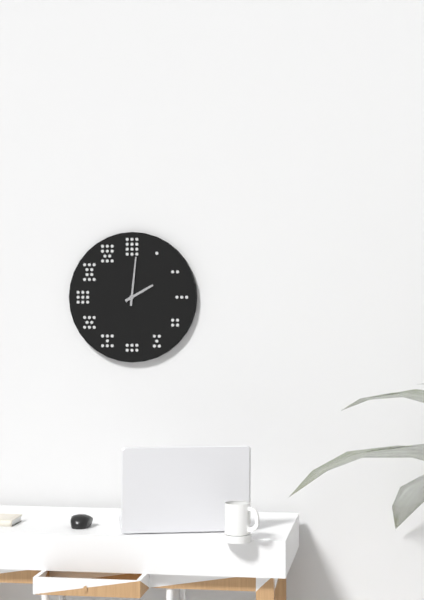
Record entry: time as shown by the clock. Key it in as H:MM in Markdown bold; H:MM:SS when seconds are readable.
**2:01**
